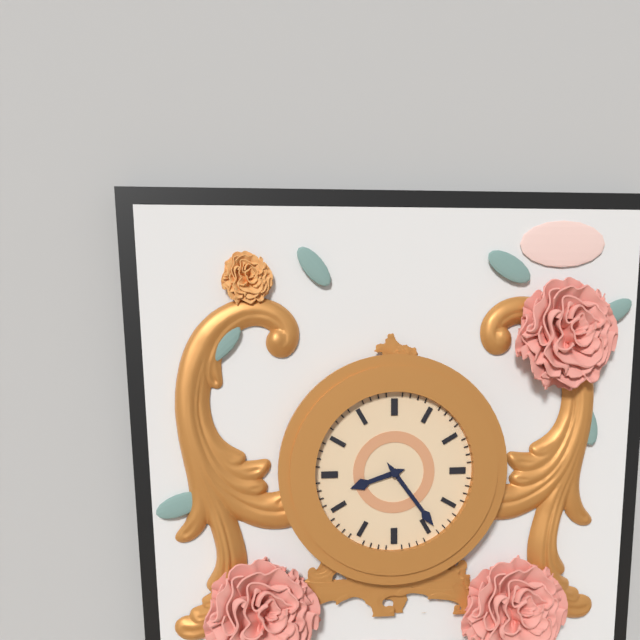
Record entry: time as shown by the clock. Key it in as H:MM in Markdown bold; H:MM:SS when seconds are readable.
**8:24**
